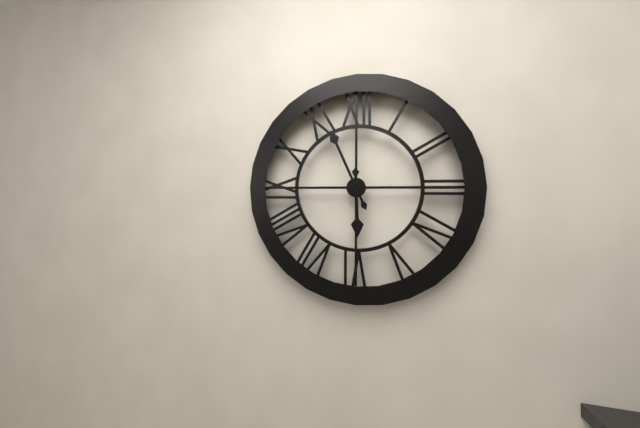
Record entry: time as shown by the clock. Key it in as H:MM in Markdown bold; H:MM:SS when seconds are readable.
**5:56**
